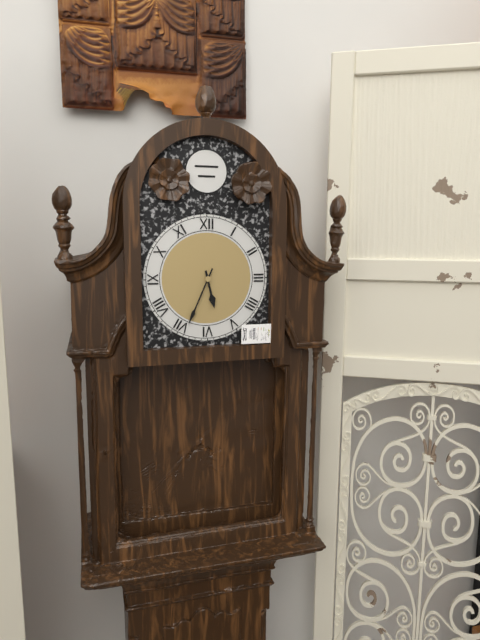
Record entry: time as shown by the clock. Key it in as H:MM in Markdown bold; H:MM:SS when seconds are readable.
**5:34**
